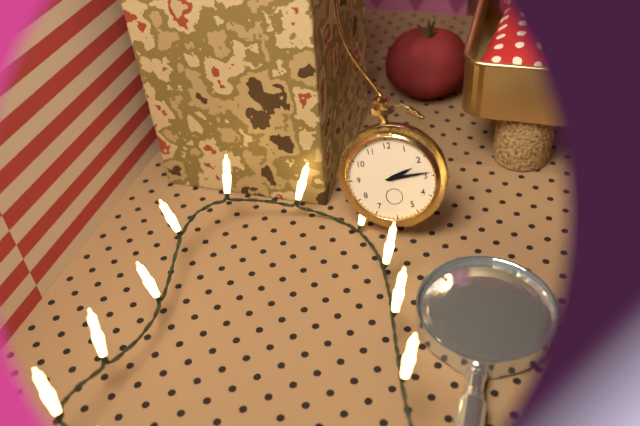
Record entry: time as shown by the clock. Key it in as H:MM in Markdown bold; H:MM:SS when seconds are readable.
**2:14**
